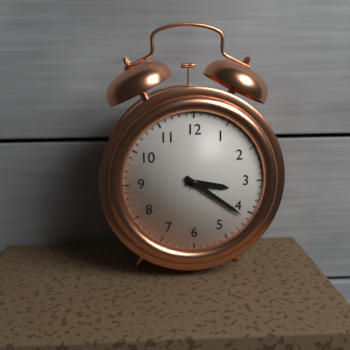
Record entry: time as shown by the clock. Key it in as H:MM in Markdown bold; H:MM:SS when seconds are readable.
**3:21**
